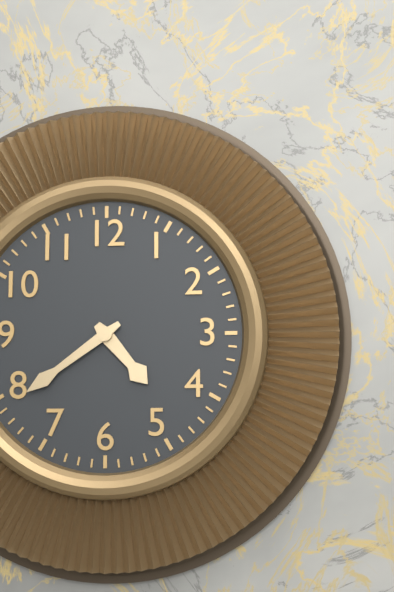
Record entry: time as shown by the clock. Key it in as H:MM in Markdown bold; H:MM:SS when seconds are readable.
**4:39**
